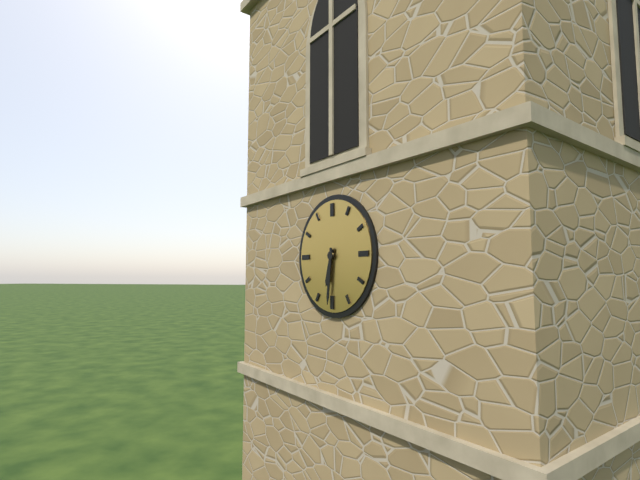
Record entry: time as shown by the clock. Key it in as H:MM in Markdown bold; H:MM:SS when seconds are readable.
**6:31**
